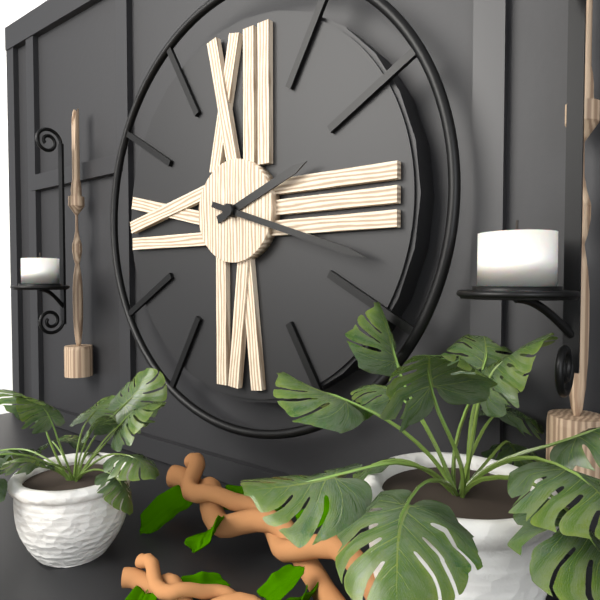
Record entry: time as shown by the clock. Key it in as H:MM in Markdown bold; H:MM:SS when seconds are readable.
**2:18**
